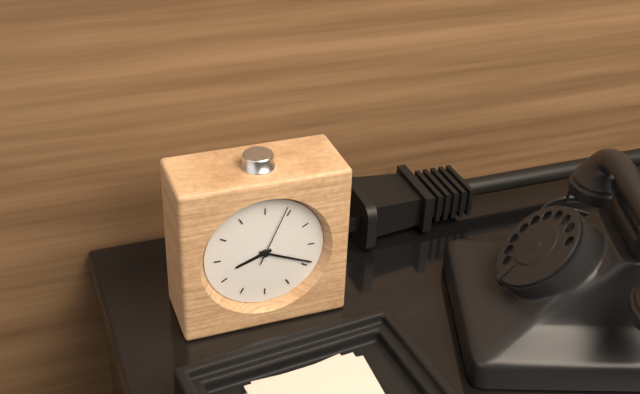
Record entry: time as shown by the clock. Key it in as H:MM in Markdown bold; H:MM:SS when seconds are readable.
**8:19:04**
